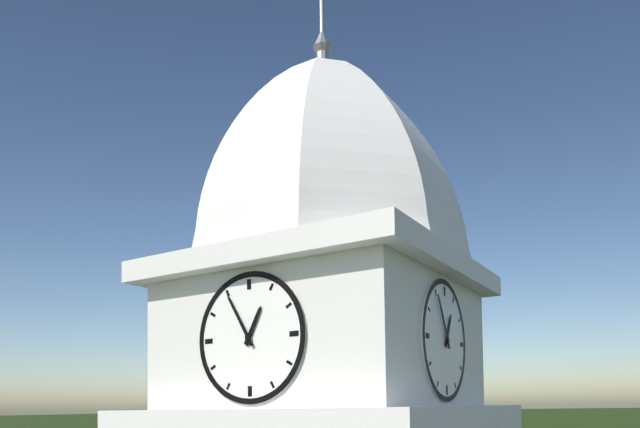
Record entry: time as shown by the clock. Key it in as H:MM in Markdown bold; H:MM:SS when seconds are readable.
**12:55**
